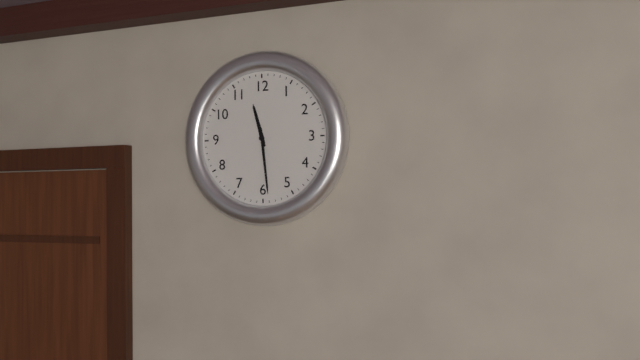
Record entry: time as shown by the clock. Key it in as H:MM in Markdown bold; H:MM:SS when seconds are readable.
**11:29**
